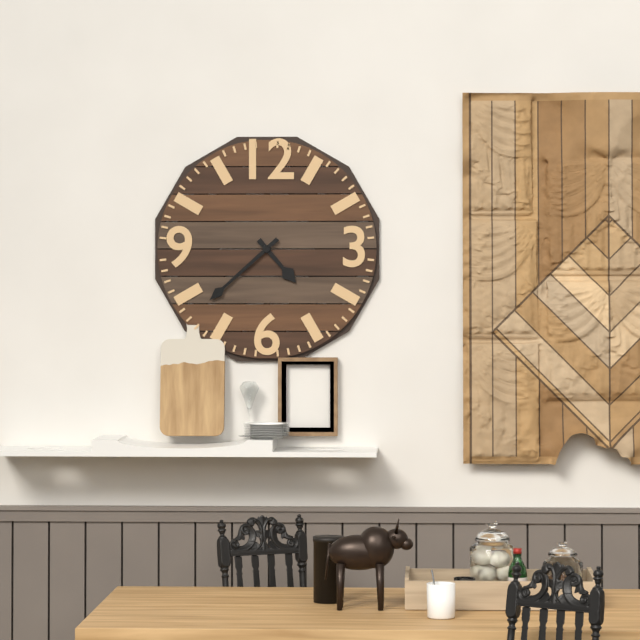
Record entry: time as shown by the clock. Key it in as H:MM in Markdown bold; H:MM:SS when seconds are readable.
**4:38**
